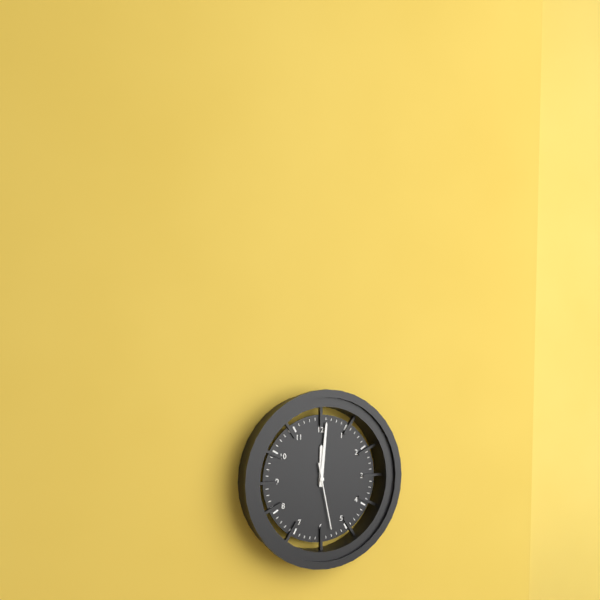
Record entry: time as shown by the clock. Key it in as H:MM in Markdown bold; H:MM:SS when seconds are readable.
**12:01:28**
